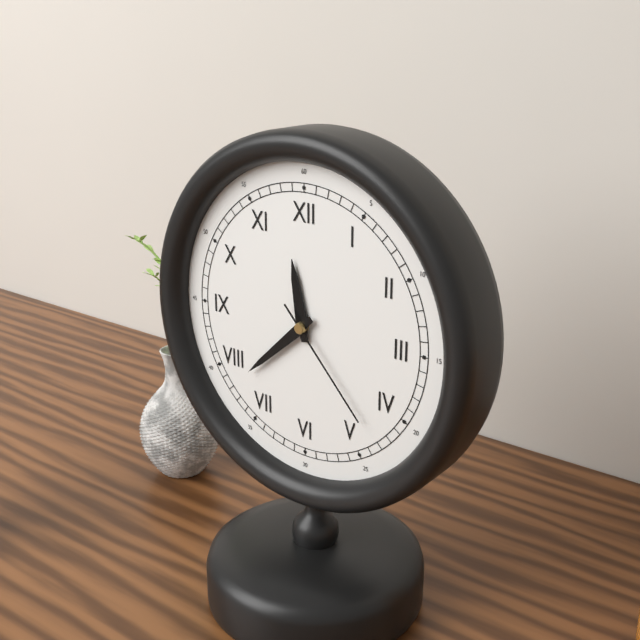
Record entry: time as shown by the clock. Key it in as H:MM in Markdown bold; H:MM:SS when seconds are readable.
**11:38:23**
